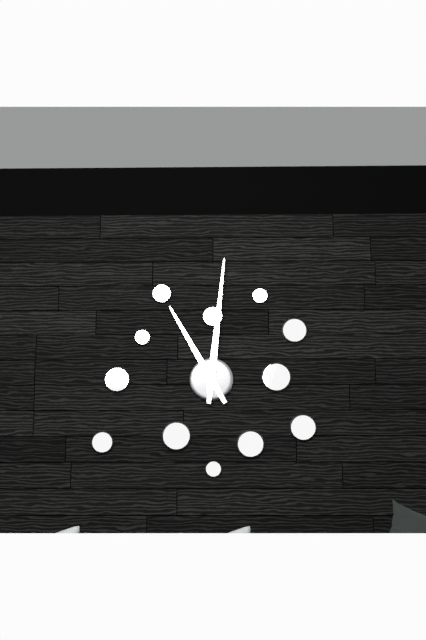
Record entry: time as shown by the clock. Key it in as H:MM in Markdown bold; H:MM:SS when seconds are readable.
**11:01**
